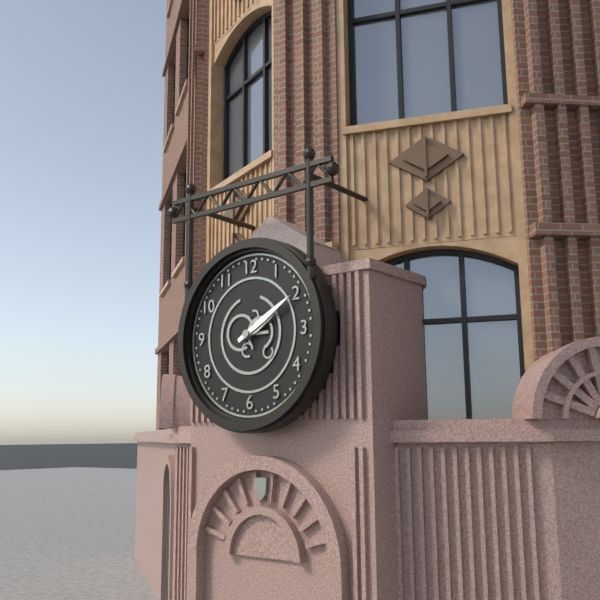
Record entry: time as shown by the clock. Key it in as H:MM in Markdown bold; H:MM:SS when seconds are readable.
**2:10**
